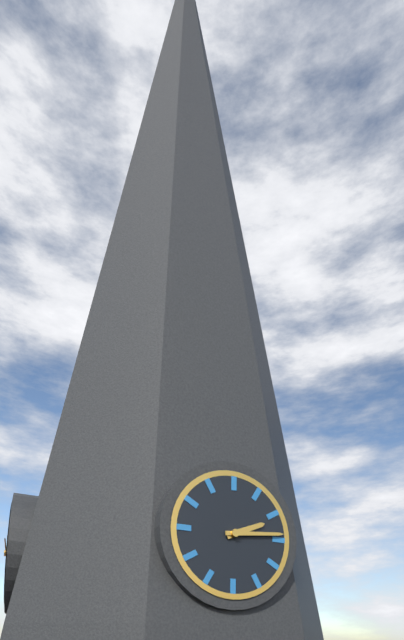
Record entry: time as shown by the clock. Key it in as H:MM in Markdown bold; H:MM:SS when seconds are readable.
**2:14**
